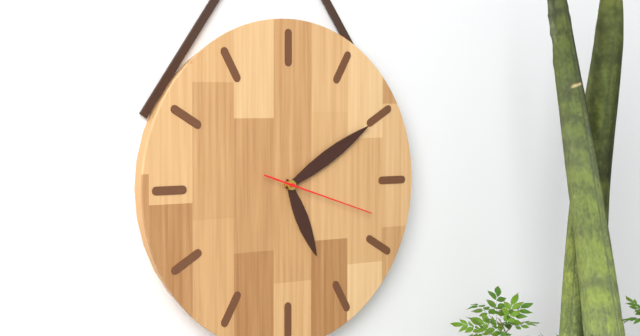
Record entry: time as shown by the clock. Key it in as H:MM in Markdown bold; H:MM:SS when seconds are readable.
**5:10:18**
